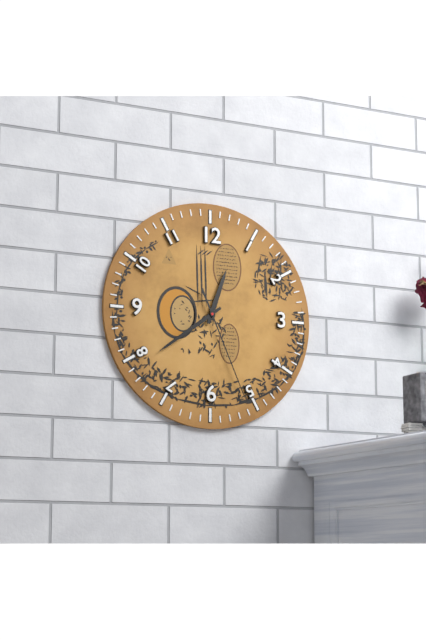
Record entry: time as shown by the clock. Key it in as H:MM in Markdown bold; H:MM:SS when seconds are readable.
**12:39:26**
